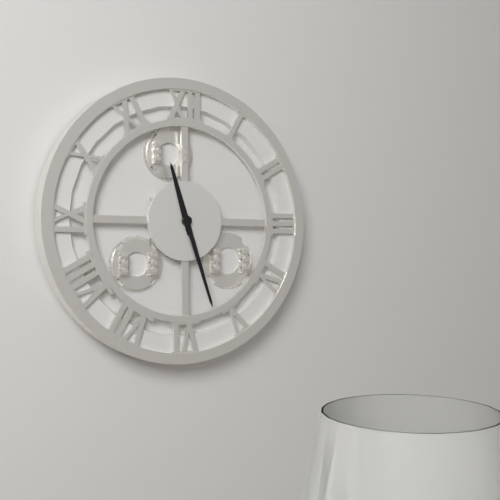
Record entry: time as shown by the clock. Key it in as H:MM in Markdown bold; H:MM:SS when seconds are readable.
**11:27**
